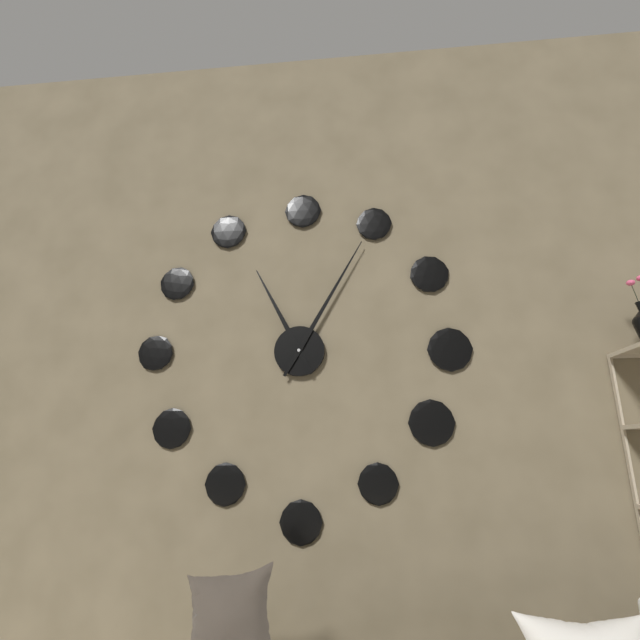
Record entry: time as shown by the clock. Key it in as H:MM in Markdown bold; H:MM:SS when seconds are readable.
**11:05**
